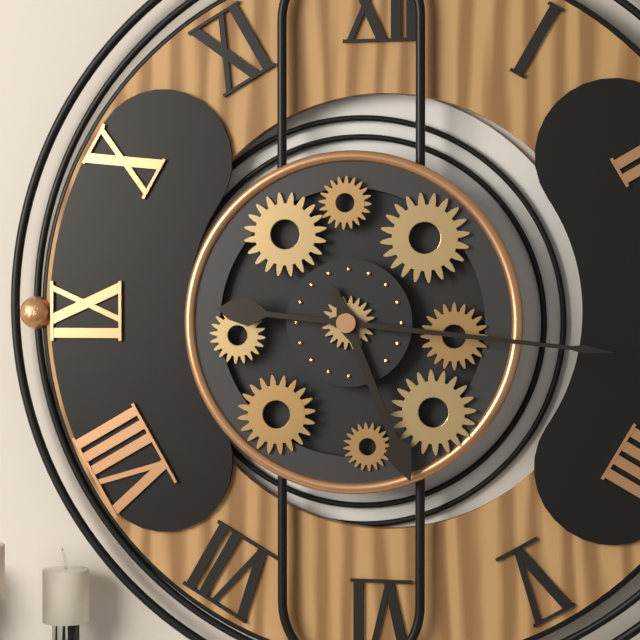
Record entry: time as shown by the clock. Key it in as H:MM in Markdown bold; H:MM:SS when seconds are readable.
**5:16**
